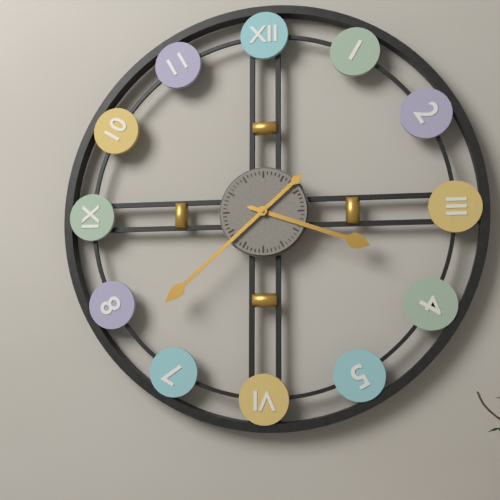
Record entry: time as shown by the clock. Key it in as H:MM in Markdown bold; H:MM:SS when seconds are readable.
**3:38**
